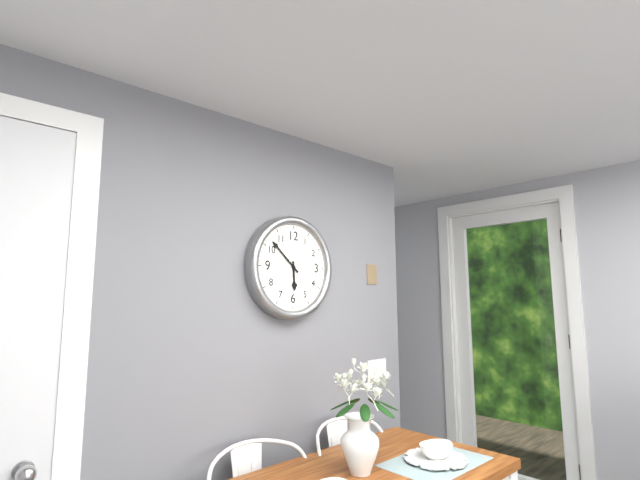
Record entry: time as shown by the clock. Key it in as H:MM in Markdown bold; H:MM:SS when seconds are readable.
**5:52**
